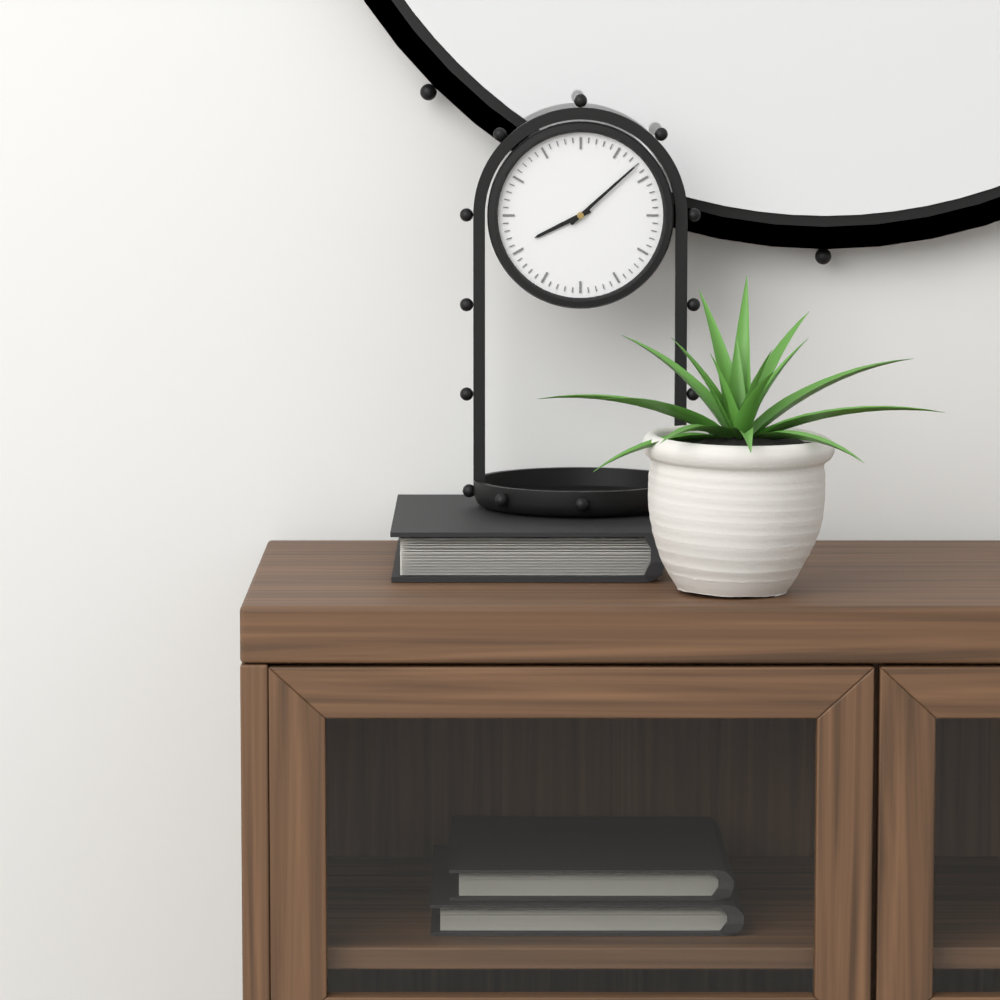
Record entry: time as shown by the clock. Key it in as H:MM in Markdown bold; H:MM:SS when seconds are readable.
**8:08**
